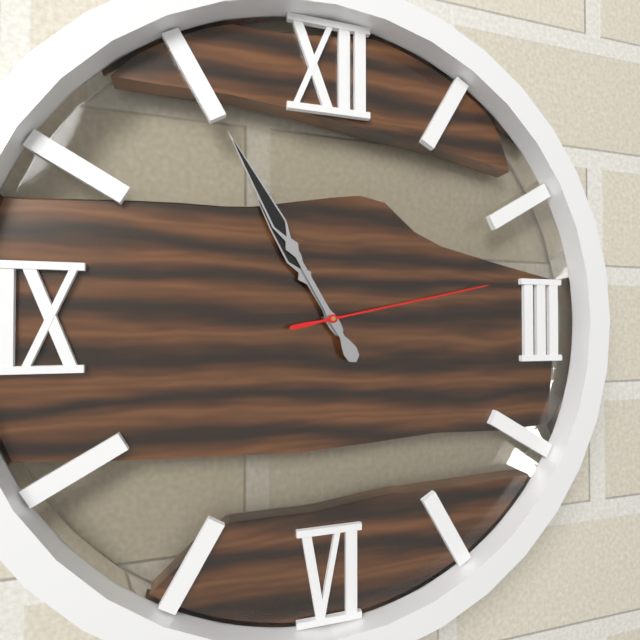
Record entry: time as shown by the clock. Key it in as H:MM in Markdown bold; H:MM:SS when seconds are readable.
**10:55:13**
